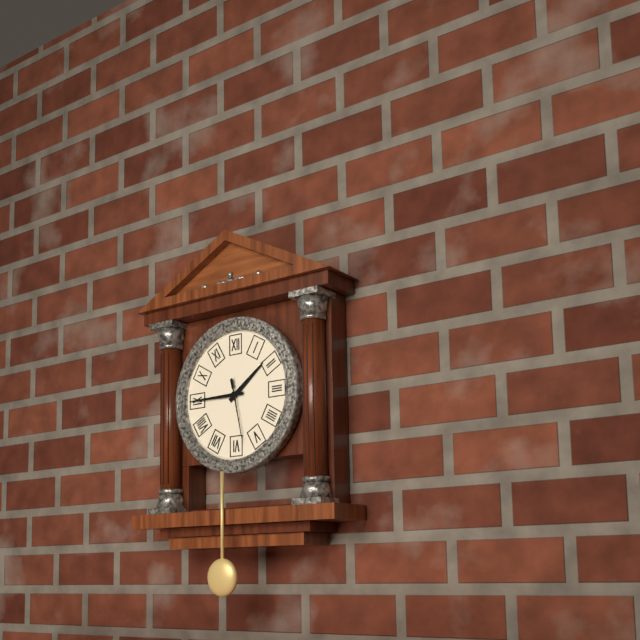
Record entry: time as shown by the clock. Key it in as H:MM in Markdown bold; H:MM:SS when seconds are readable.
**1:45:28**
